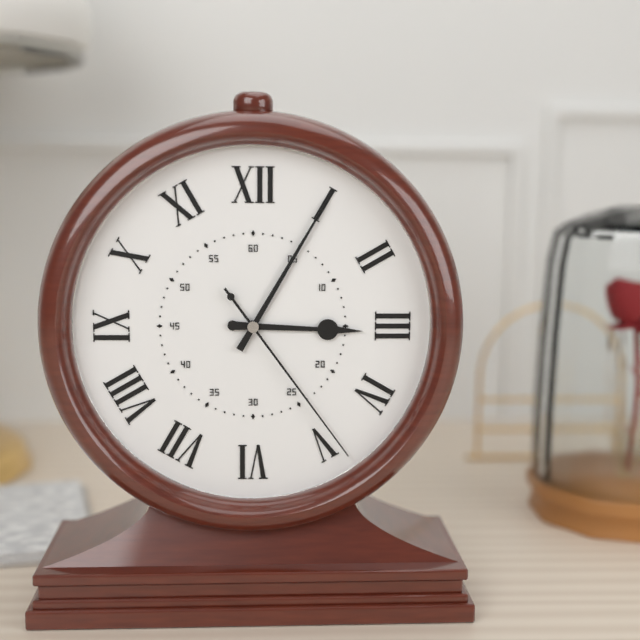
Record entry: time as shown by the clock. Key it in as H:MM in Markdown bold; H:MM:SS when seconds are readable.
**3:05:24**
